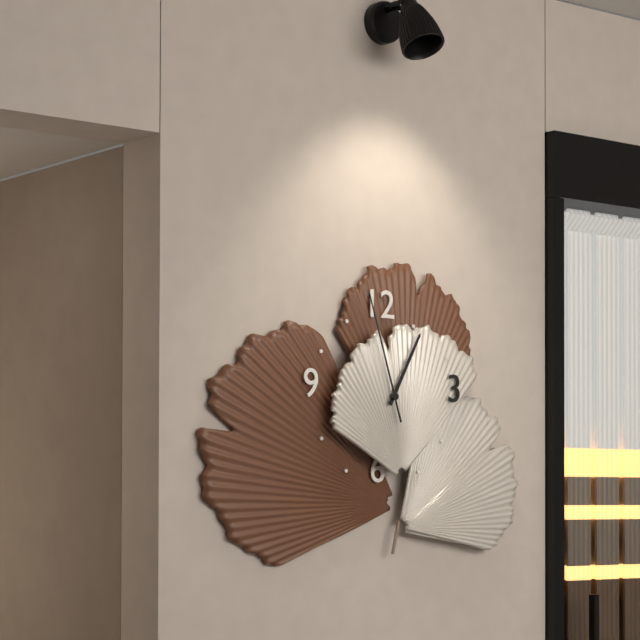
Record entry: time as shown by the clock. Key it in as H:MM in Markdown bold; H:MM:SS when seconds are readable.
**12:57**
